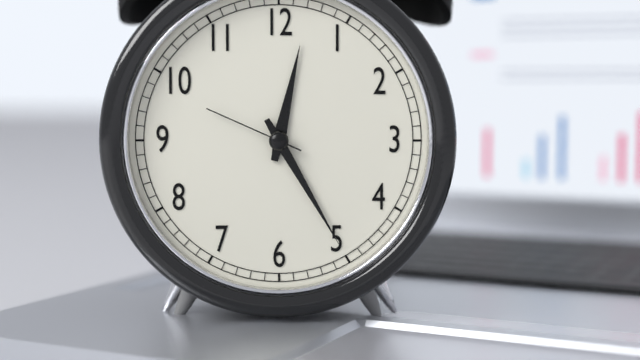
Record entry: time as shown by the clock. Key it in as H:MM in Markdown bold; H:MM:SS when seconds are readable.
**12:25:49**
